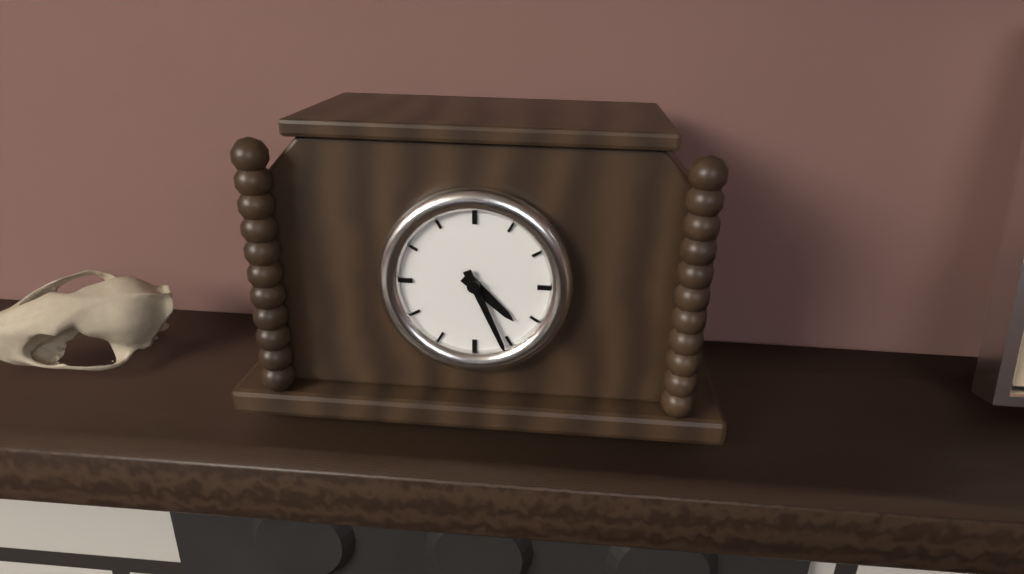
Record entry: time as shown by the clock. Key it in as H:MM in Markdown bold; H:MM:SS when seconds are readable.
**4:26**
